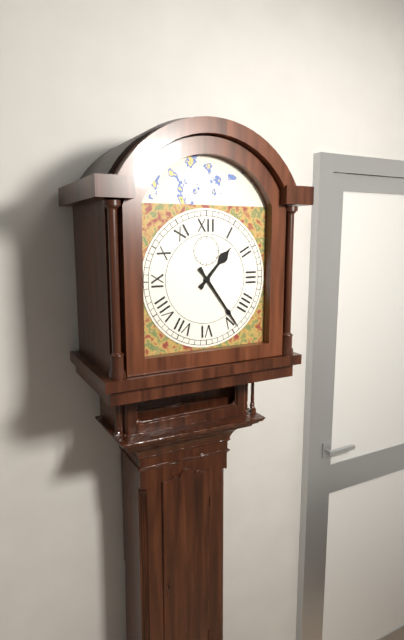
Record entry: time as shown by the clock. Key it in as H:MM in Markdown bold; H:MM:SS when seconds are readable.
**1:24**
